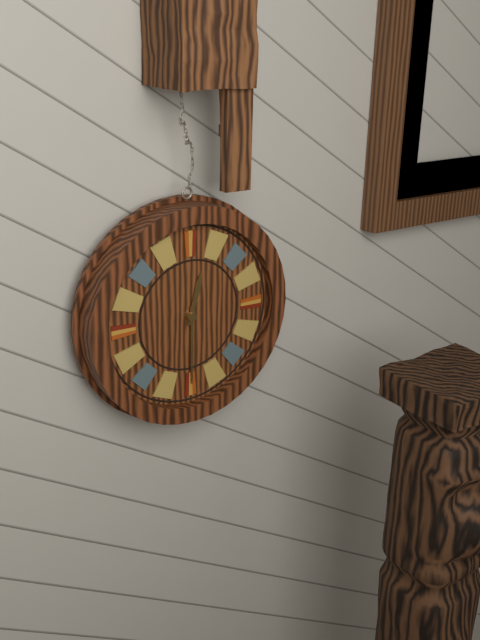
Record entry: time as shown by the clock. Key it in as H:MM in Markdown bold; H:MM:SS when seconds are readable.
**12:30**
